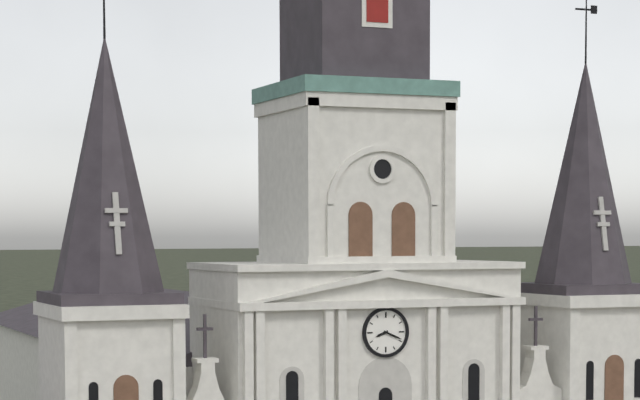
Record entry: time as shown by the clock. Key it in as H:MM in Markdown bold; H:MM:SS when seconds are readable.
**8:19**
